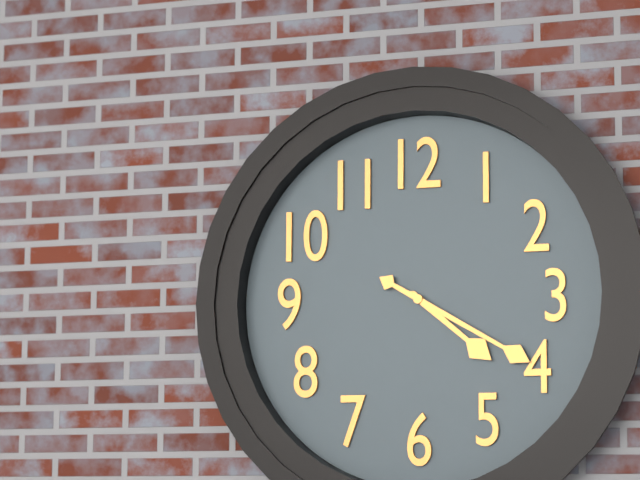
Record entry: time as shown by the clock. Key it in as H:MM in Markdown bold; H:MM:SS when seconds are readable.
**4:20**
